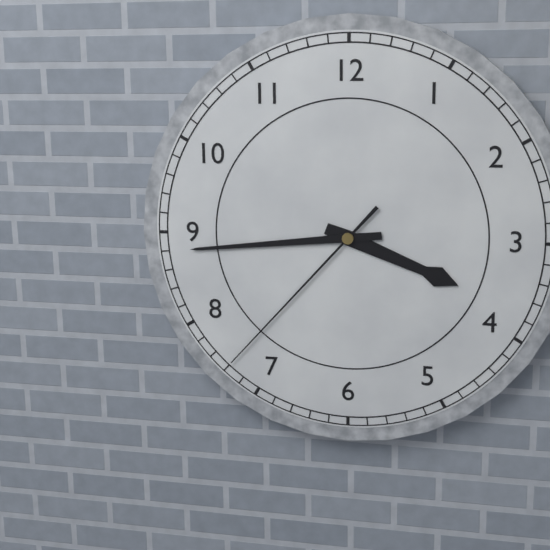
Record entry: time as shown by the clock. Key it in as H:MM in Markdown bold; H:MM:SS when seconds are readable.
**3:44:37**
